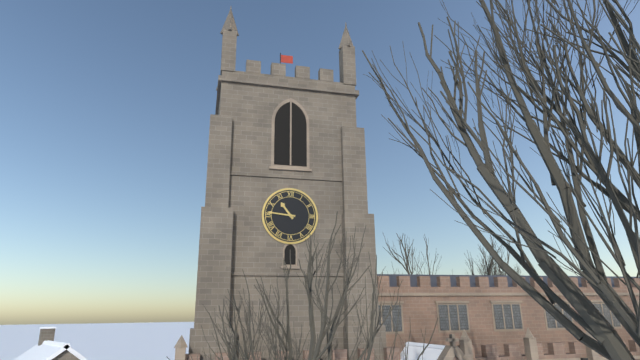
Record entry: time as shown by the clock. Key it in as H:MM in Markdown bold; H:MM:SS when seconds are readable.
**10:46**
